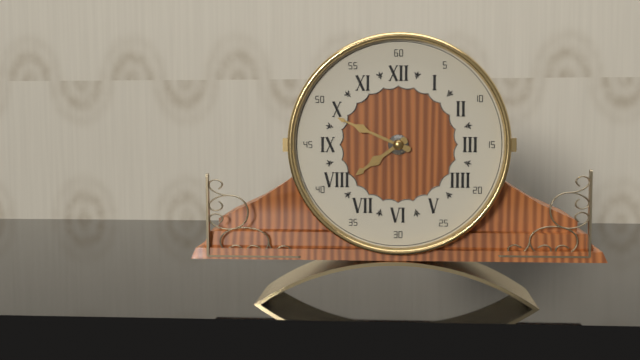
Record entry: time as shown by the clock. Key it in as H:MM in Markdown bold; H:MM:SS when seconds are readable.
**7:49**
